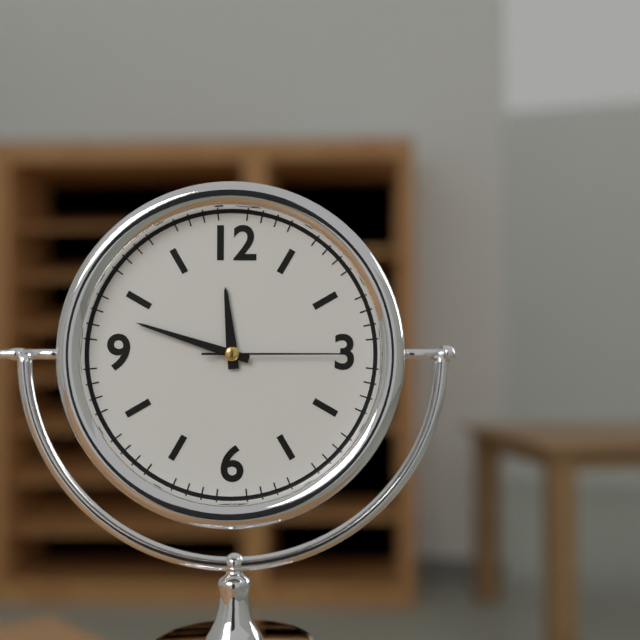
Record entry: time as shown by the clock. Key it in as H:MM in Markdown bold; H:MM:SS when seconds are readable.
**11:48:15**
